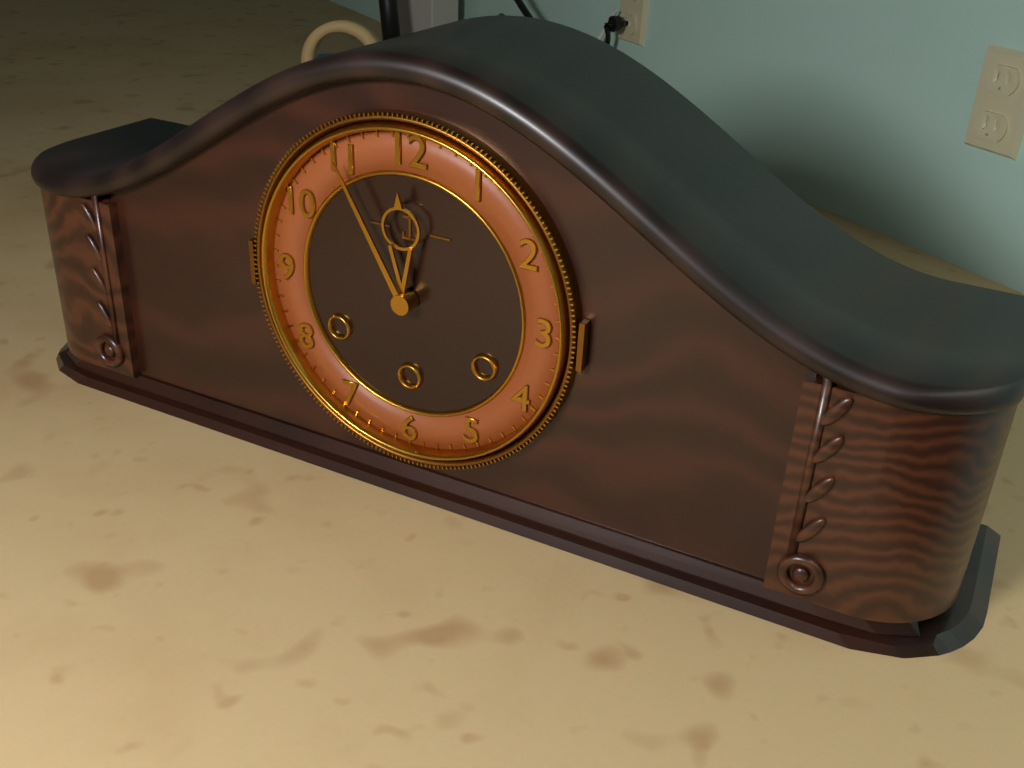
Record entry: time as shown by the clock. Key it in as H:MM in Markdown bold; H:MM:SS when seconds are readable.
**11:55**
